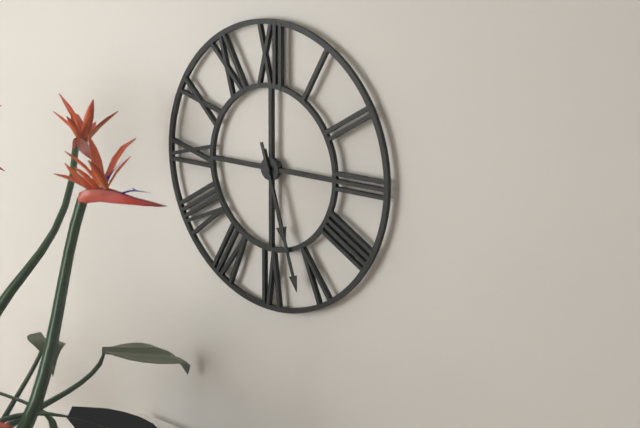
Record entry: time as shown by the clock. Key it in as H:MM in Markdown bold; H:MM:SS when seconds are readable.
**5:27**
